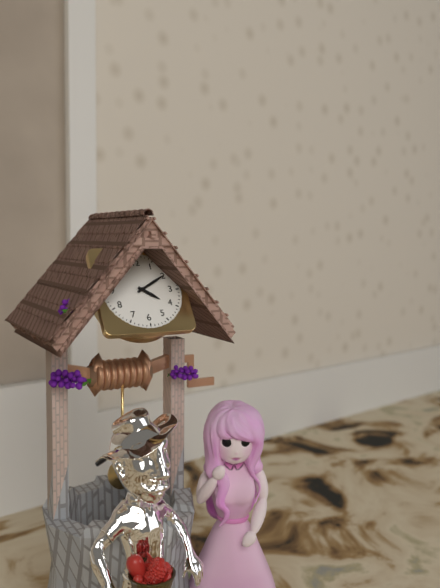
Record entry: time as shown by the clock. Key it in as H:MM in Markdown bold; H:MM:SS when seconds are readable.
**4:10**
